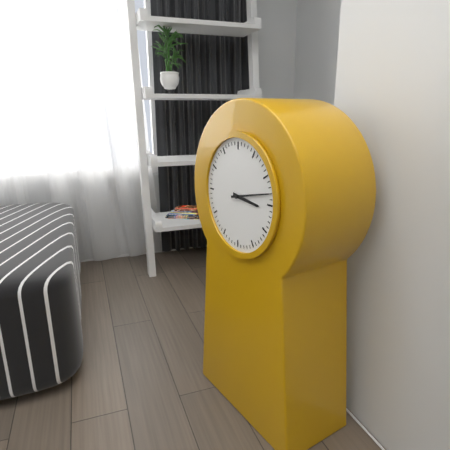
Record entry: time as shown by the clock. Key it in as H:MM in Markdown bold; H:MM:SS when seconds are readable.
**3:13**
